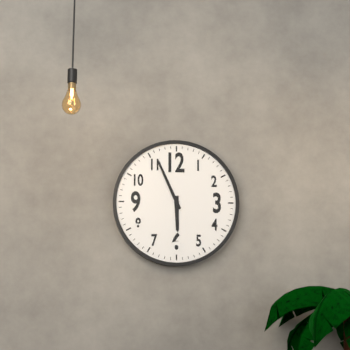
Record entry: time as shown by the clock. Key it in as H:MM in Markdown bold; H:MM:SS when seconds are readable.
**5:56**
